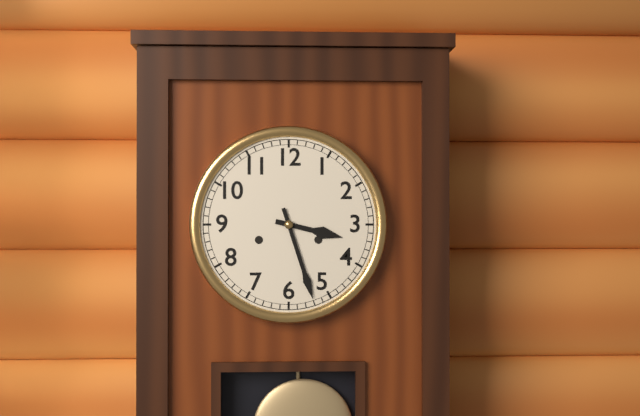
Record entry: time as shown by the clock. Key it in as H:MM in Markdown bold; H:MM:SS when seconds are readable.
**3:27**
